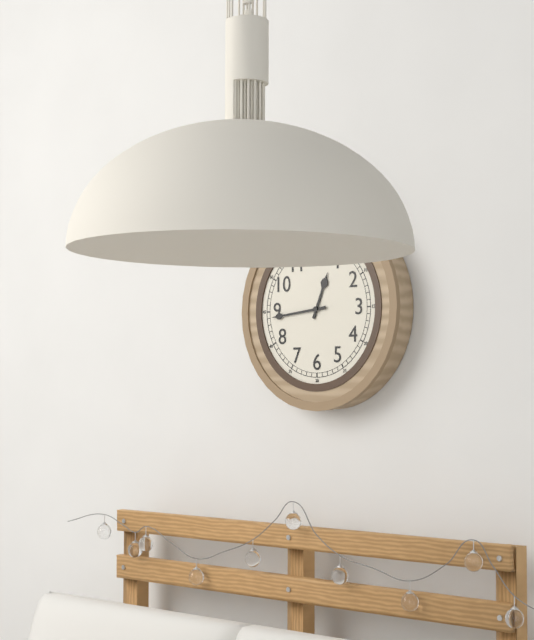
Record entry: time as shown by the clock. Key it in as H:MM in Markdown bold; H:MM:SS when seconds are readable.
**12:44**
